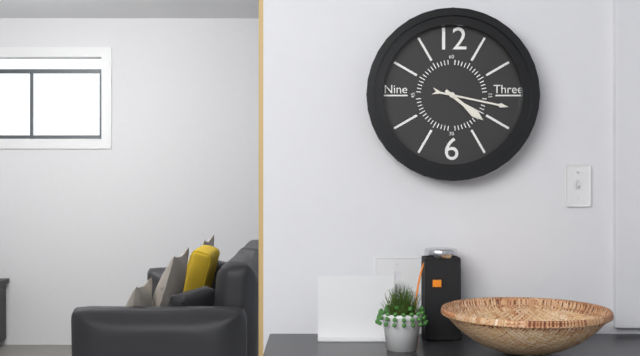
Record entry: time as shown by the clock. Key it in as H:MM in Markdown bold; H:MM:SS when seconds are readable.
**4:17**
